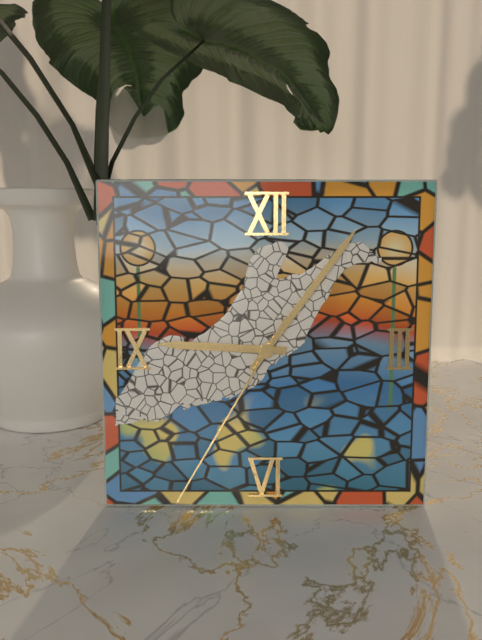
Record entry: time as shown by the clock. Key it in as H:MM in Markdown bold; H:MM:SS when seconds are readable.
**9:06:35**
